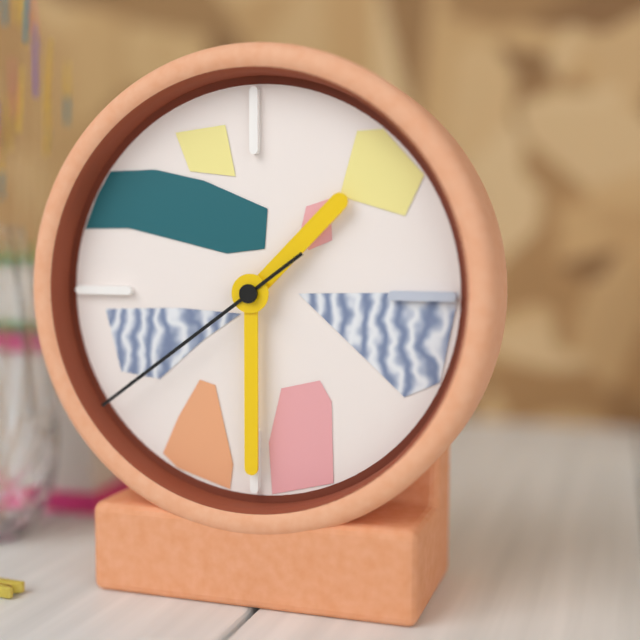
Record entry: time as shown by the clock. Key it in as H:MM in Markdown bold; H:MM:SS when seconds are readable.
**1:30:39**
